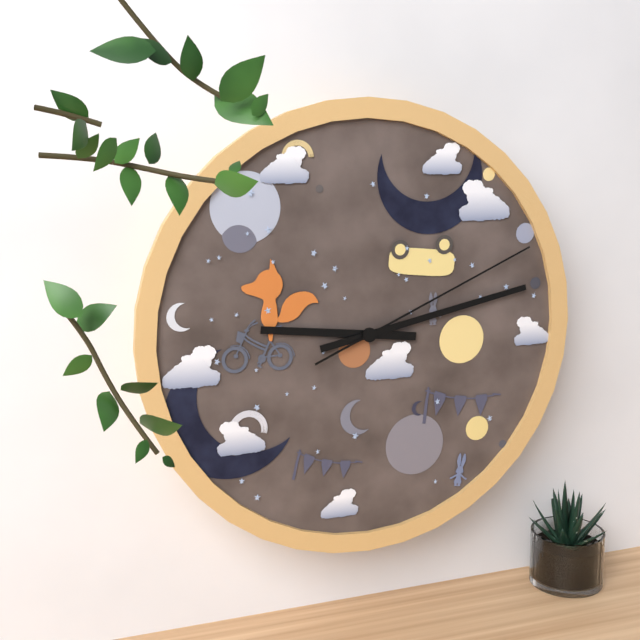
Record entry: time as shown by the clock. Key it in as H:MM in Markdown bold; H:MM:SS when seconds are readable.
**9:13:11**
